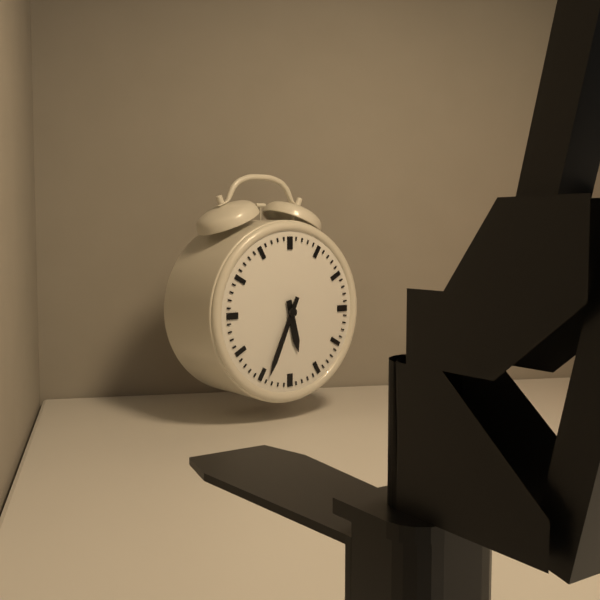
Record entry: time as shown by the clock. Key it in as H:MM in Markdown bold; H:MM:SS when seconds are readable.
**5:34**
